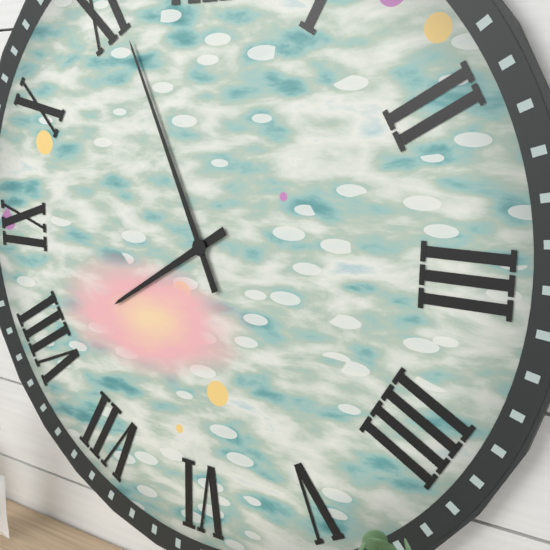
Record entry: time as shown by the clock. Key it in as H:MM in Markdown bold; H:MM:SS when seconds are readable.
**7:56**
